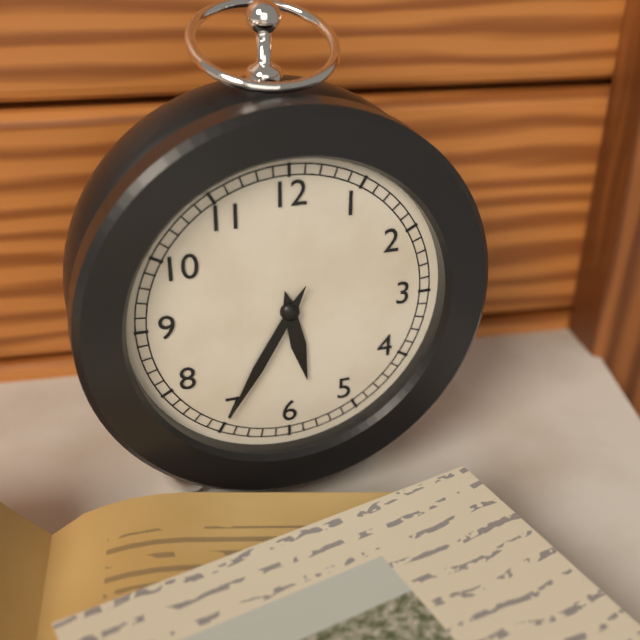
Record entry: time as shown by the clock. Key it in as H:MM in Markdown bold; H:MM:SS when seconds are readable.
**5:35**
